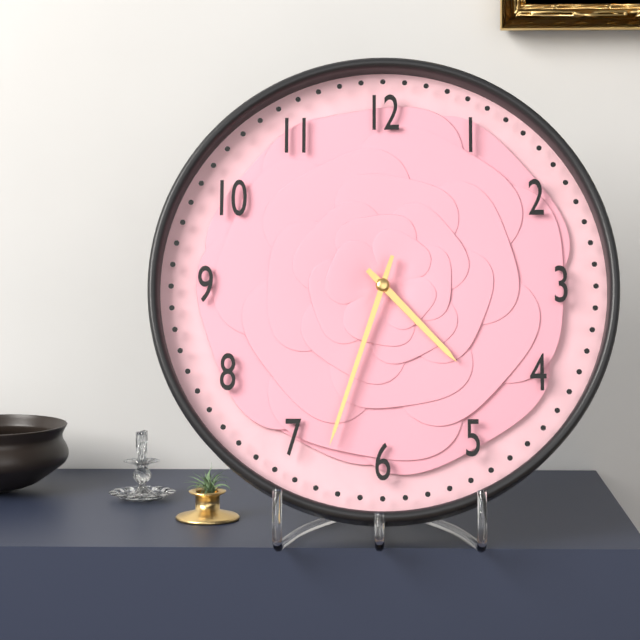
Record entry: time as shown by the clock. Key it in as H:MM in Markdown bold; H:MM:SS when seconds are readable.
**4:33**
